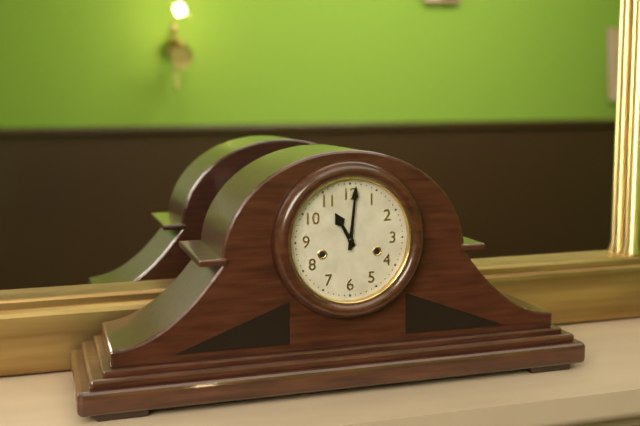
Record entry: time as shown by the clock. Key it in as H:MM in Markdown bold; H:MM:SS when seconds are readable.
**11:01**
